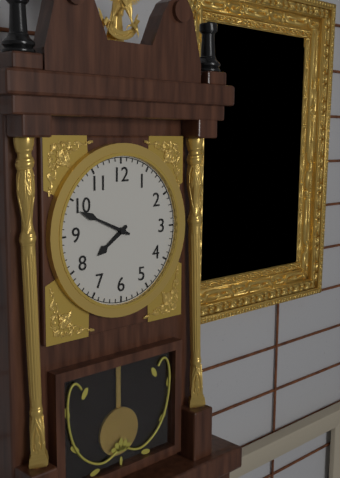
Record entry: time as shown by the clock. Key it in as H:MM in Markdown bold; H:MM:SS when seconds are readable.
**7:49**
